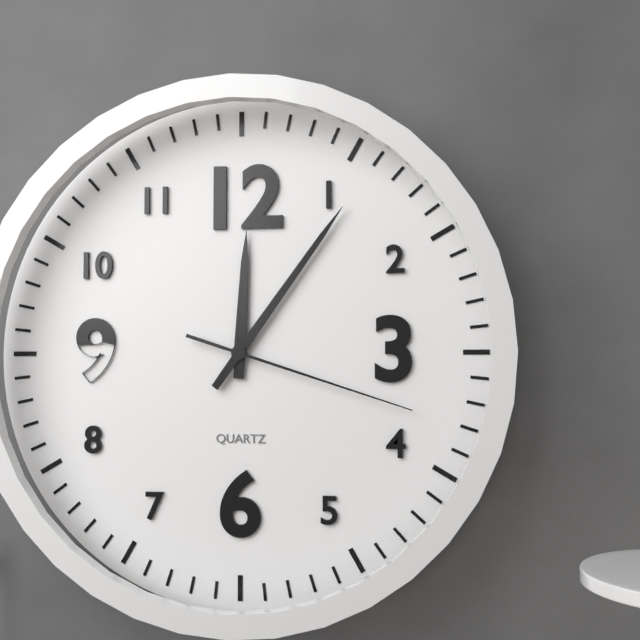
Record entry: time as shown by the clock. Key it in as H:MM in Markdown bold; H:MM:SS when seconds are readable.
**12:06:18**
